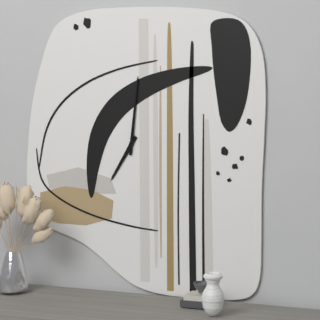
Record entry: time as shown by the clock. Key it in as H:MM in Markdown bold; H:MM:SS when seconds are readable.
**7:01**
